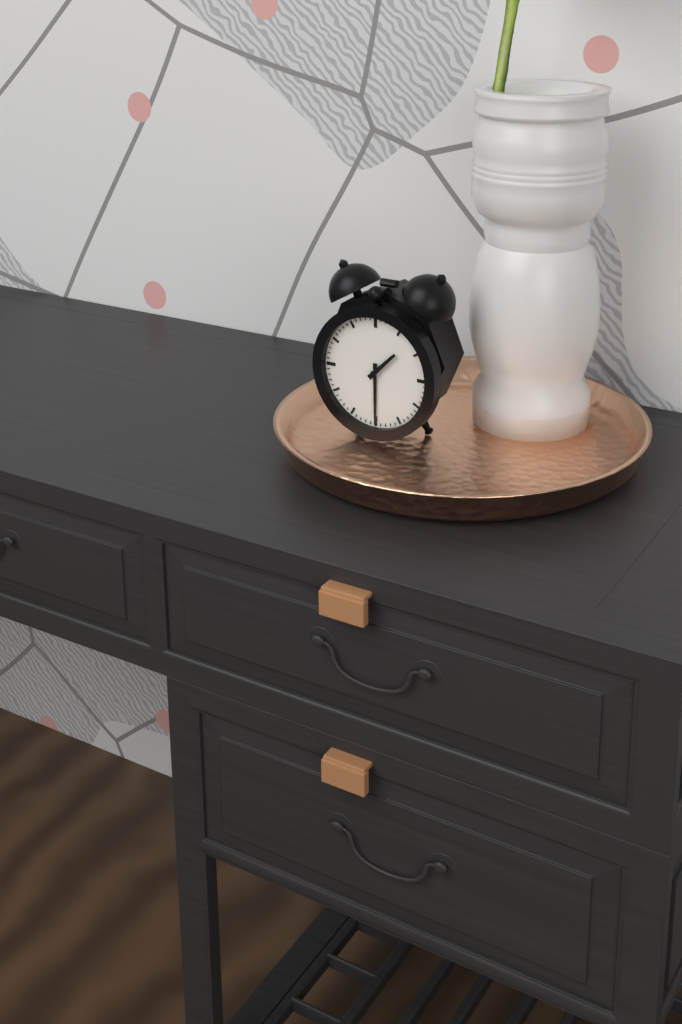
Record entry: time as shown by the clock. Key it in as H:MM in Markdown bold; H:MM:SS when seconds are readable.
**1:30**
